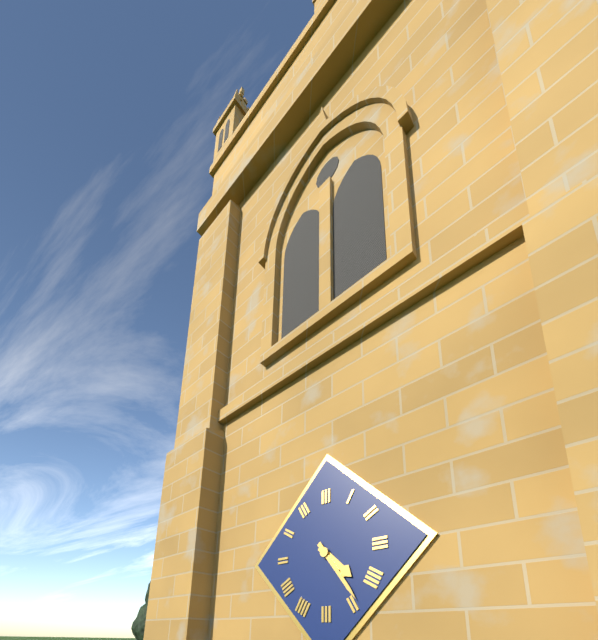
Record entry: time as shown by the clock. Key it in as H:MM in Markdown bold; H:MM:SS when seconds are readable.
**4:24**
